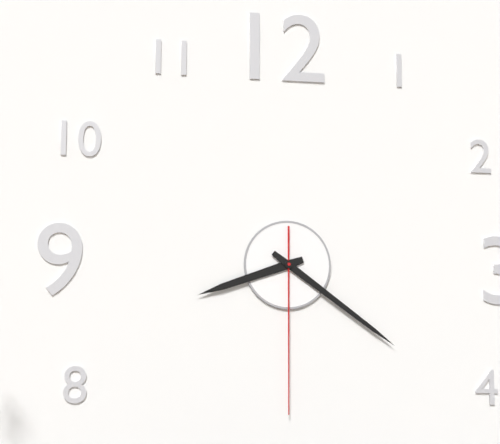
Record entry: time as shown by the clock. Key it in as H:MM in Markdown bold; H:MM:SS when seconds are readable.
**8:21:30**
